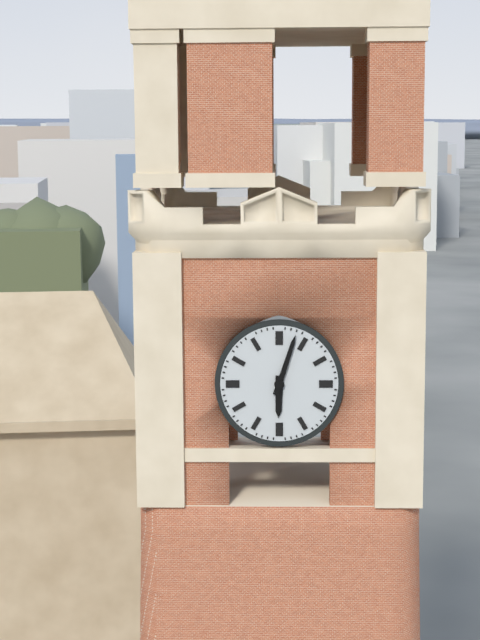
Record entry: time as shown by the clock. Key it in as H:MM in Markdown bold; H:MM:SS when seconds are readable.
**6:03**
